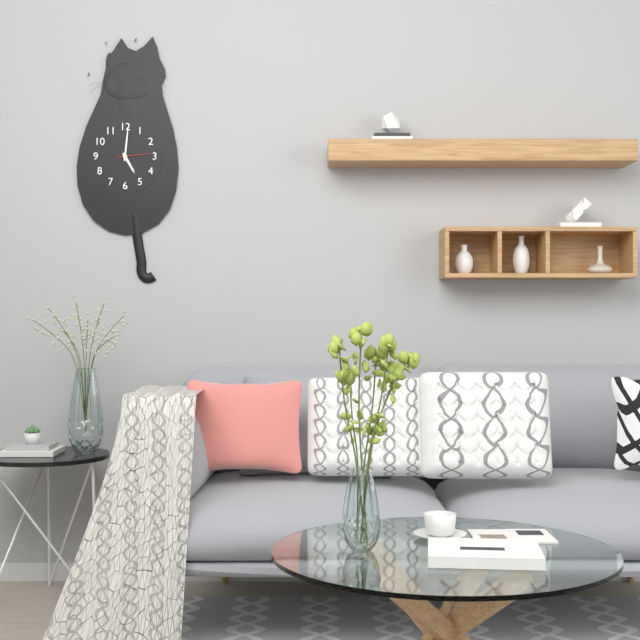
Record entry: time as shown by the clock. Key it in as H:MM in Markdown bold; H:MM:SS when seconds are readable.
**5:01**
